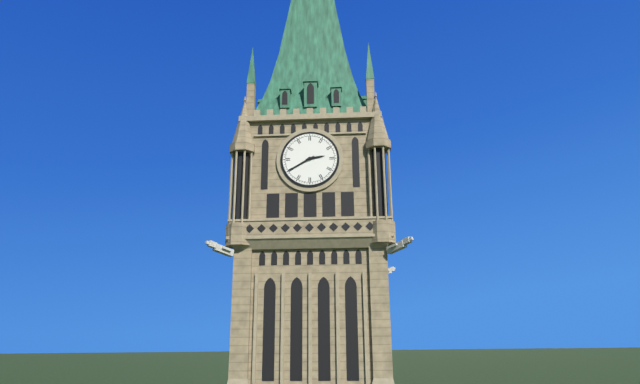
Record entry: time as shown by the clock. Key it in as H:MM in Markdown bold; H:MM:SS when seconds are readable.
**2:40**
